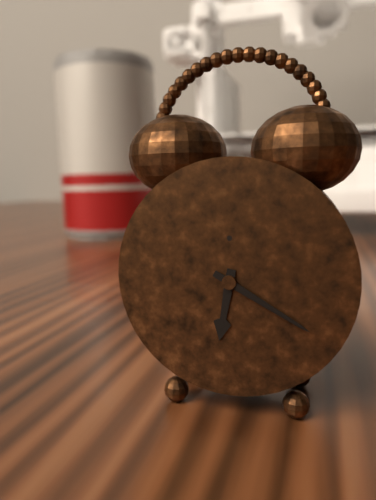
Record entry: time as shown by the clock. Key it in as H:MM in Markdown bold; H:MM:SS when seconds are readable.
**6:20**
